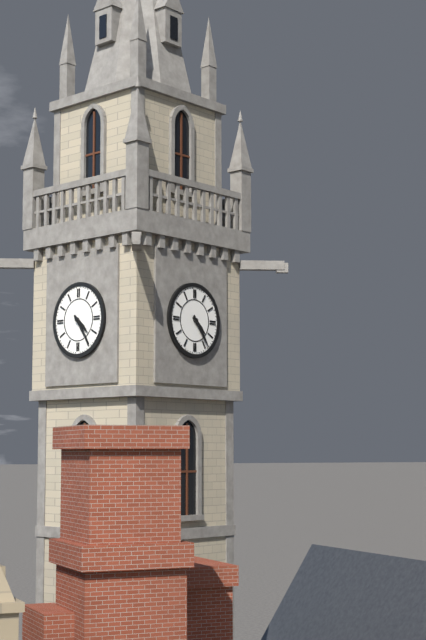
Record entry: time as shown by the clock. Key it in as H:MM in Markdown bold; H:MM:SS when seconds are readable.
**4:24**
